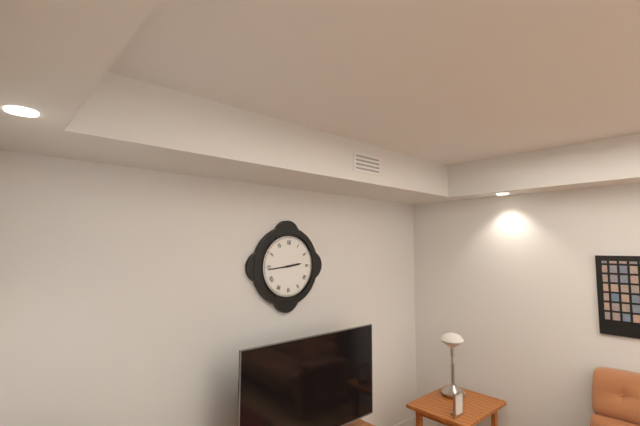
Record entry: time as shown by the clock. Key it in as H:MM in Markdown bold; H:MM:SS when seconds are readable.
**2:44**
